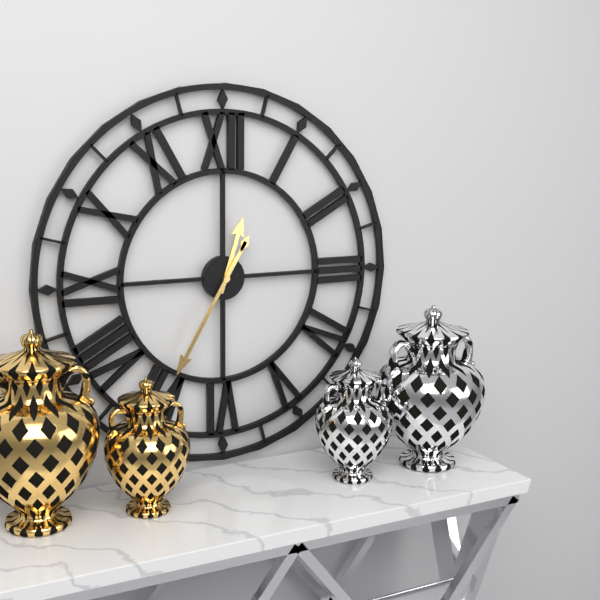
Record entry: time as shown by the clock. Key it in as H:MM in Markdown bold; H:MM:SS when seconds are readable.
**12:35**
